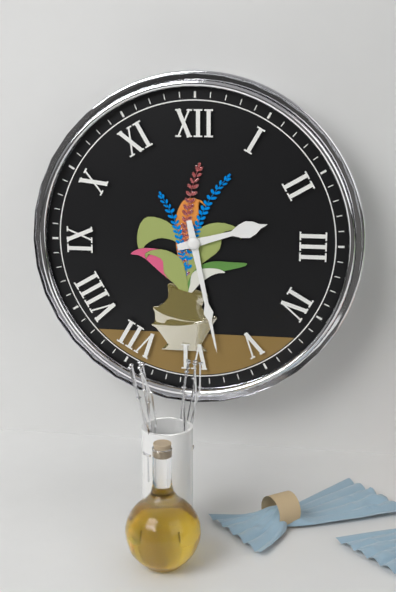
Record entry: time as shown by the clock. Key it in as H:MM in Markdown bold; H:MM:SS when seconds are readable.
**2:28**
